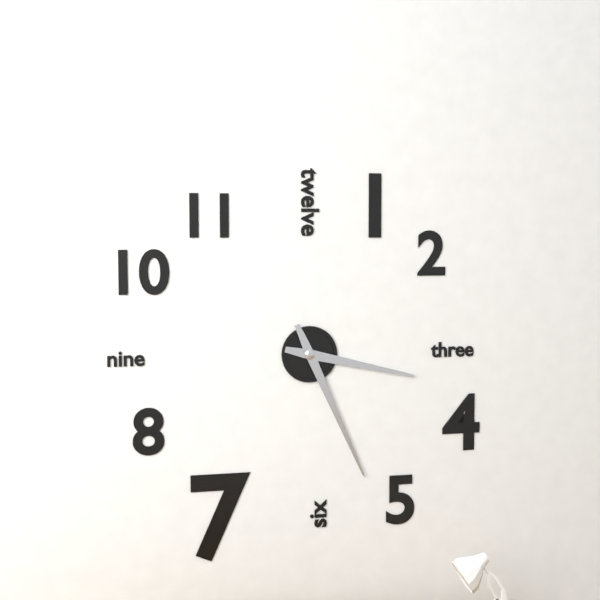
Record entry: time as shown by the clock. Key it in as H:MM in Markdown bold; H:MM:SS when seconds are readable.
**3:26**
